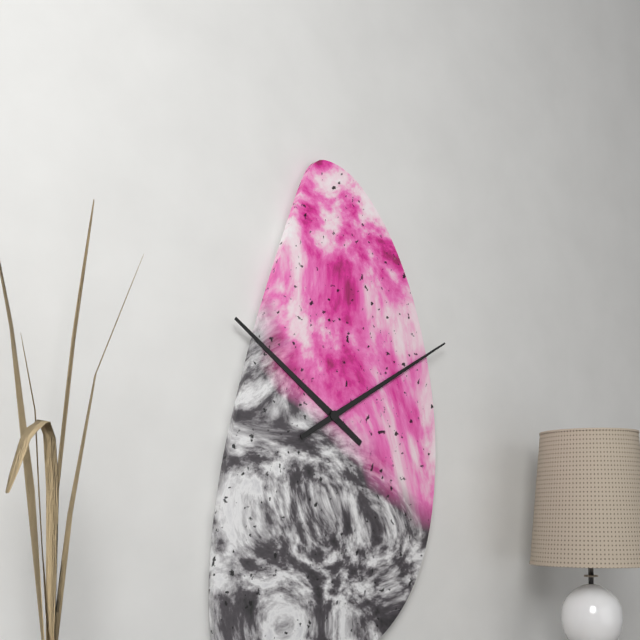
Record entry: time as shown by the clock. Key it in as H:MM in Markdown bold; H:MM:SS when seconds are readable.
**10:10**
